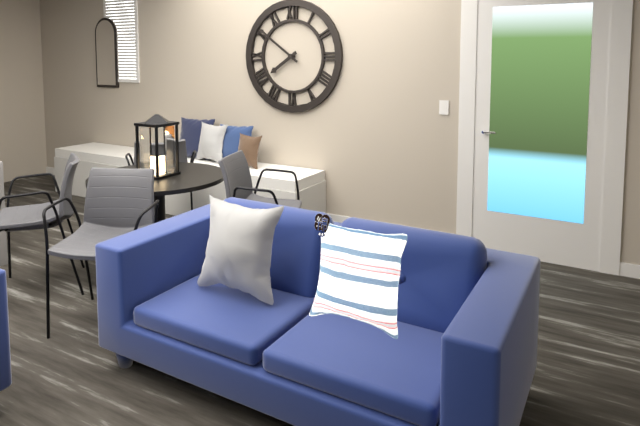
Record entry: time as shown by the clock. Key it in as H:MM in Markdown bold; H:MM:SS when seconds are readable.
**7:51**
